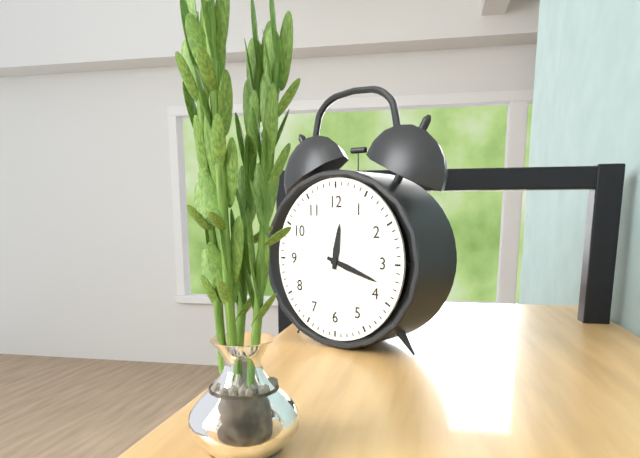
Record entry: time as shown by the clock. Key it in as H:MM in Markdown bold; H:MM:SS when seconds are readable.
**12:18**
